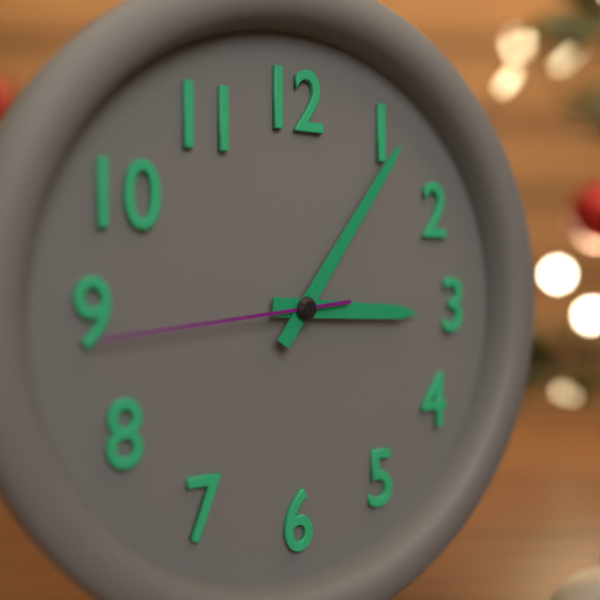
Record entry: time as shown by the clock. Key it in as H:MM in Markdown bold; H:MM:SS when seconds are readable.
**3:06:44**
